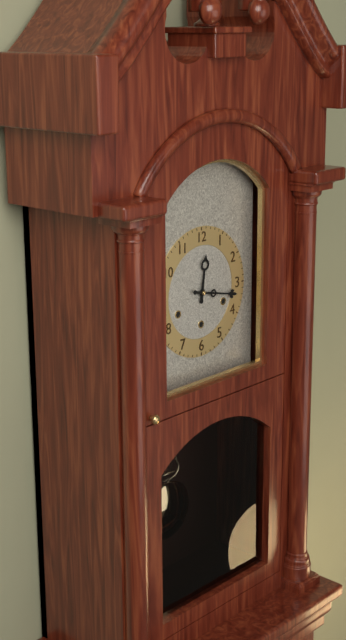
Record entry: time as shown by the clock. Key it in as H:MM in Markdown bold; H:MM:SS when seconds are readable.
**12:17**
